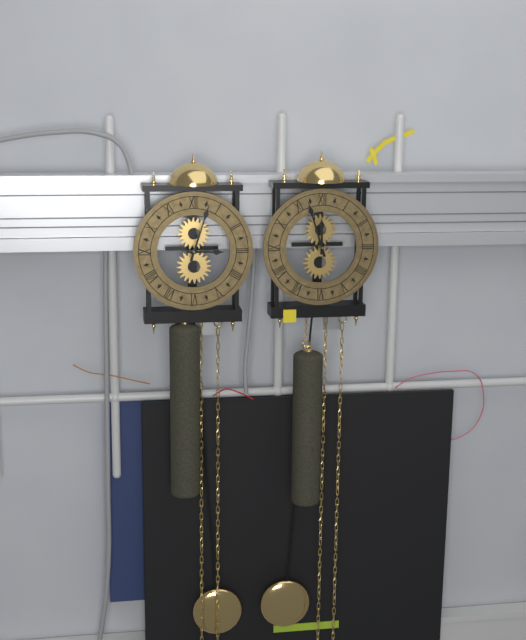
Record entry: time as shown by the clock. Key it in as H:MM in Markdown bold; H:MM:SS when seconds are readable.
**3:03**
